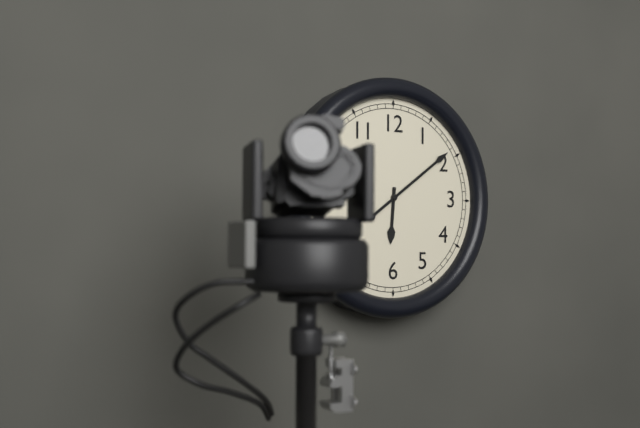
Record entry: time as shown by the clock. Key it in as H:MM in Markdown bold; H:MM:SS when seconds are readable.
**6:09**
